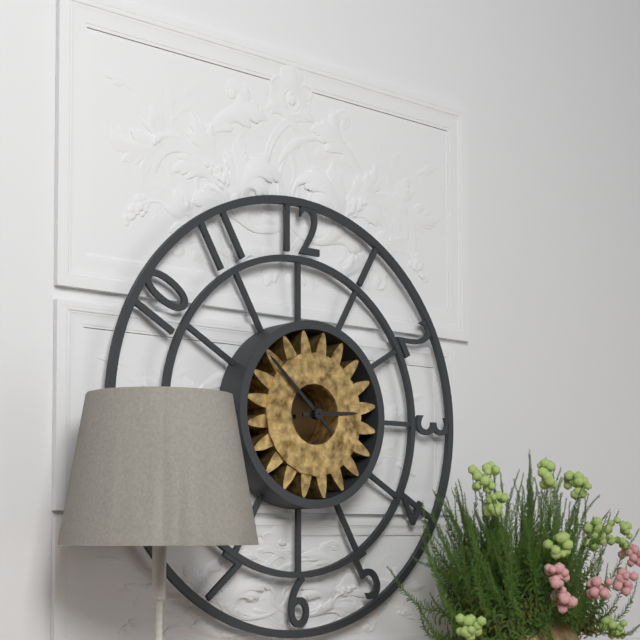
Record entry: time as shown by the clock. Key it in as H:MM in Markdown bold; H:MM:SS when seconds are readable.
**2:52**
